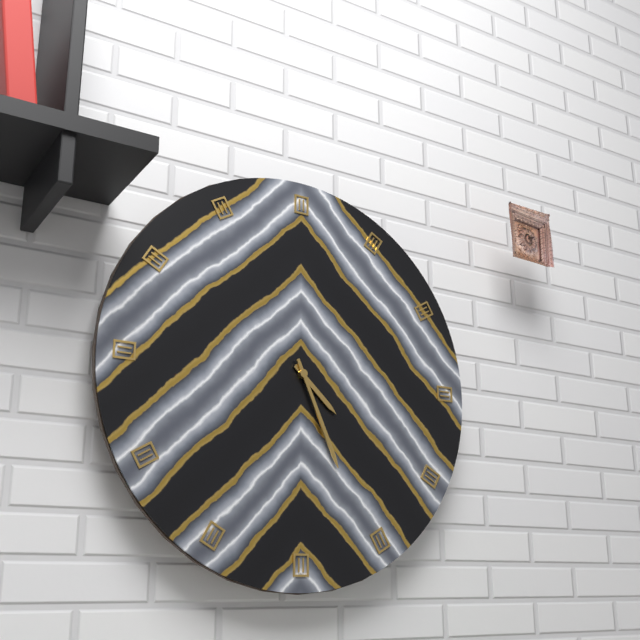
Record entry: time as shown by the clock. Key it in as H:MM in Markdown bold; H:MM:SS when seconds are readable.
**4:26**
